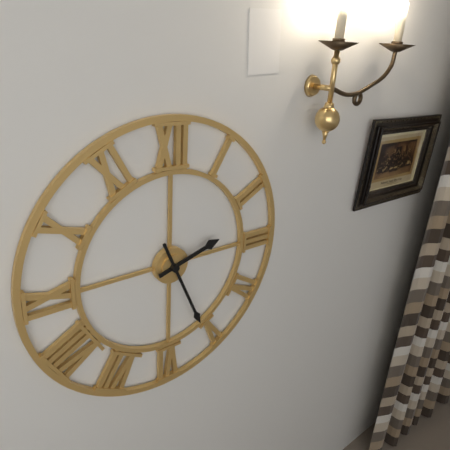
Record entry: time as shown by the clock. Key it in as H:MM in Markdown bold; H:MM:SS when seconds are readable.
**2:26**
